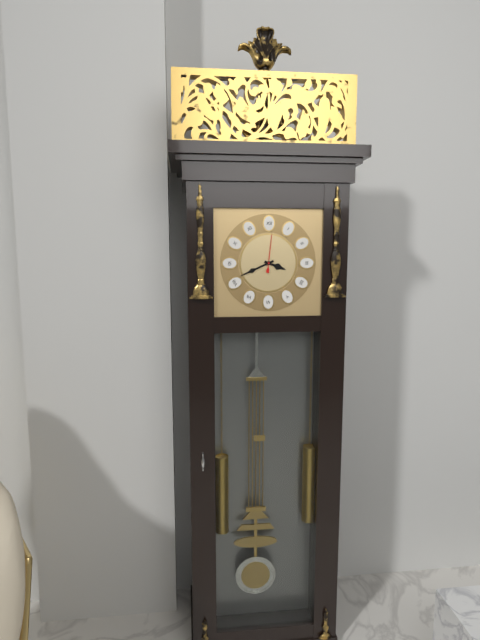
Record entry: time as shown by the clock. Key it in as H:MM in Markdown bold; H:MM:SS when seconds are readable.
**3:41**
